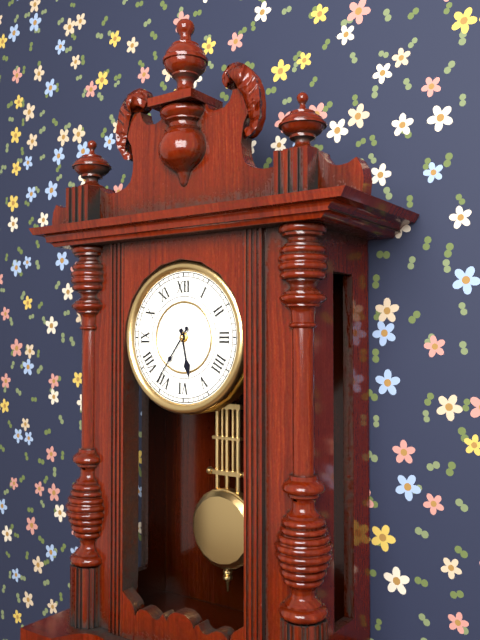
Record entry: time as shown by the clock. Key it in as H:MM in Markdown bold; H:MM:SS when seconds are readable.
**5:36**
